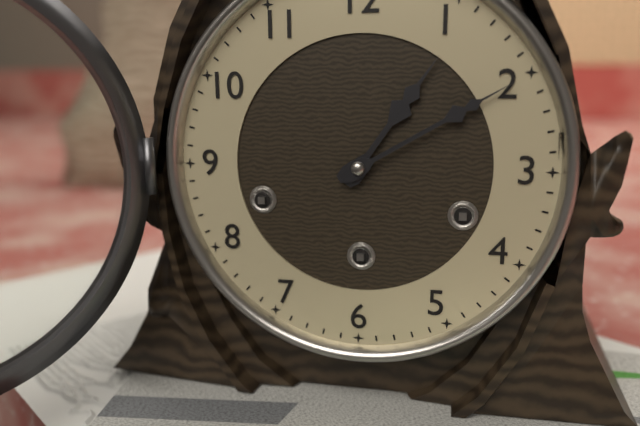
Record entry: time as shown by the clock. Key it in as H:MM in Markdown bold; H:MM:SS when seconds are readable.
**1:10**
